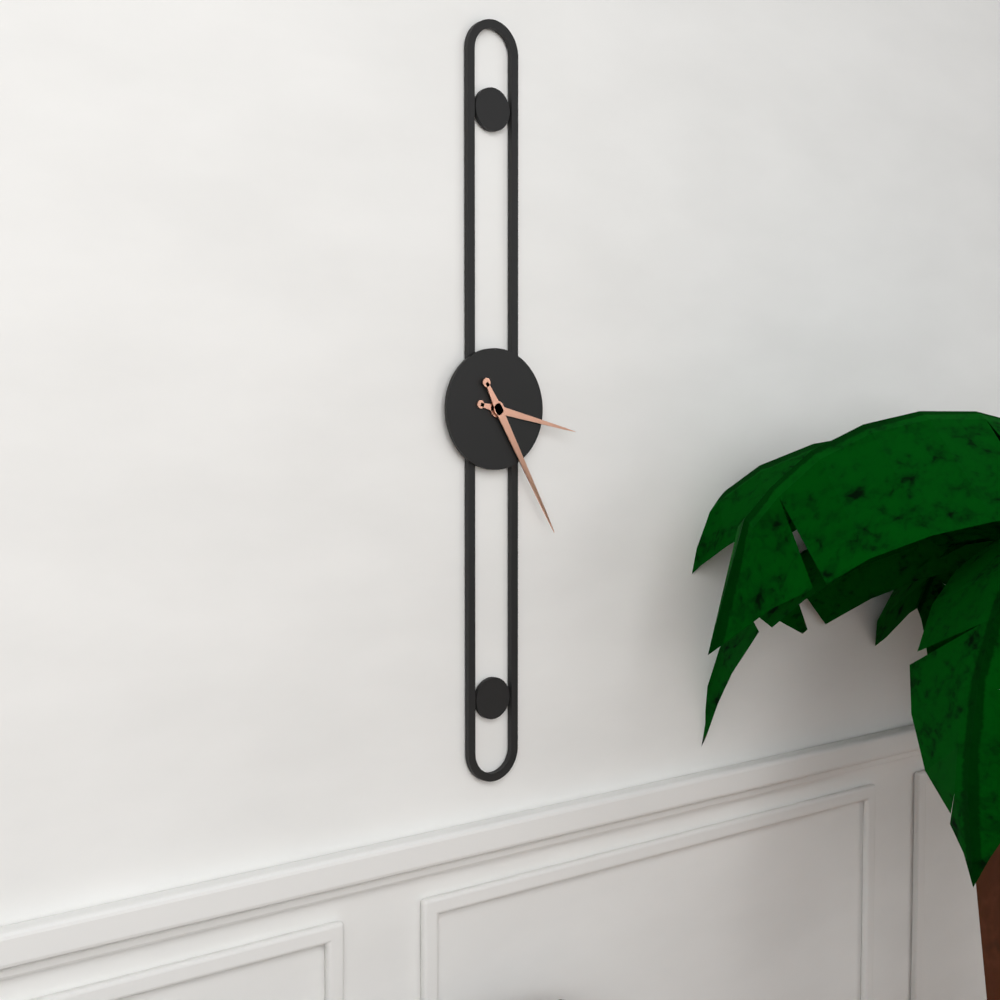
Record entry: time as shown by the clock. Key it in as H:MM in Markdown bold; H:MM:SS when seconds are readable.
**3:25**
